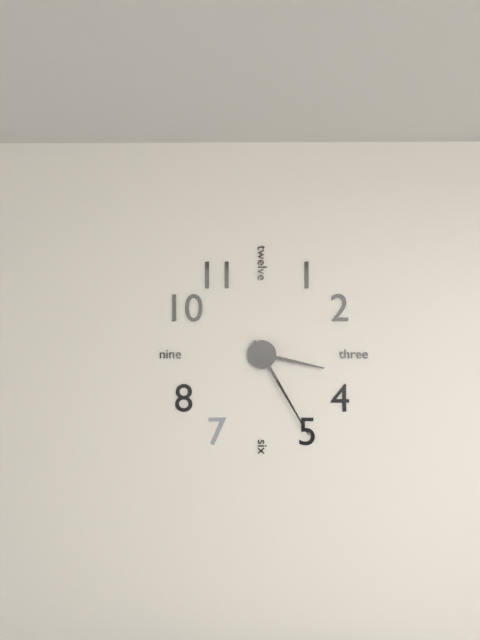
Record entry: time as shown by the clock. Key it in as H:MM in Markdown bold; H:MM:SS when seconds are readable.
**3:25**
